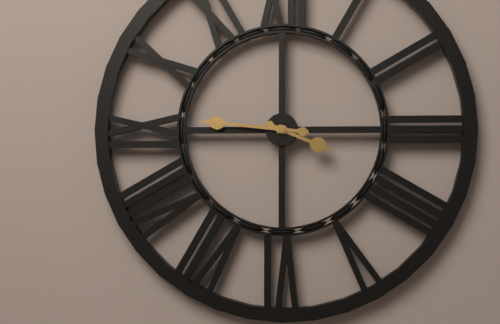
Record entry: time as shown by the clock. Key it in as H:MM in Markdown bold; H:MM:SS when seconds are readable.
**3:46**
